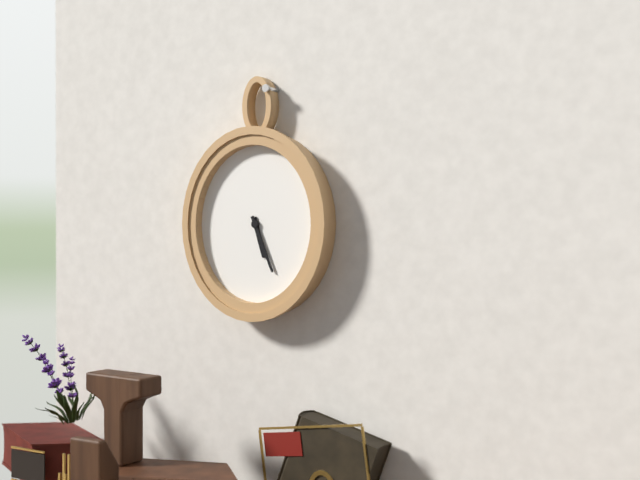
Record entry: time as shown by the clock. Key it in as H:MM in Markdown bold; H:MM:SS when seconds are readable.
**5:26**
